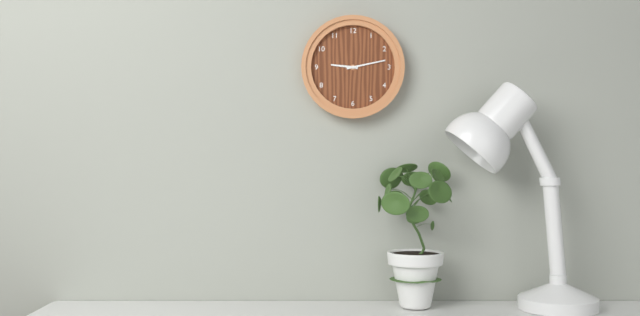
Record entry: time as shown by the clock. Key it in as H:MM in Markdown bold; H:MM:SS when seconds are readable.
**9:13**
